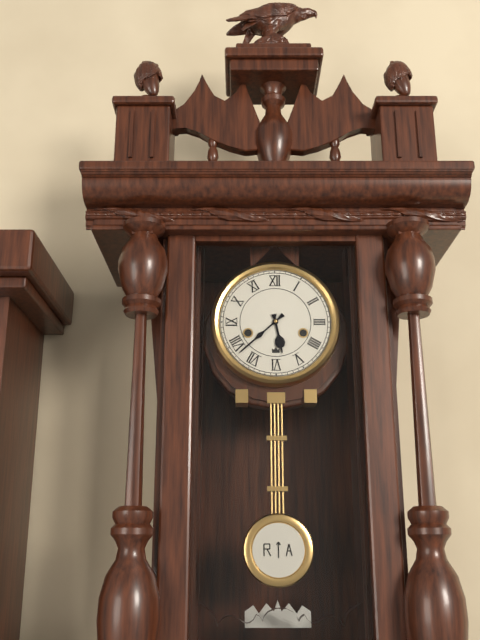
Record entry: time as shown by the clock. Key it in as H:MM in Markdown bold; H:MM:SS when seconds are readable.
**5:38**
